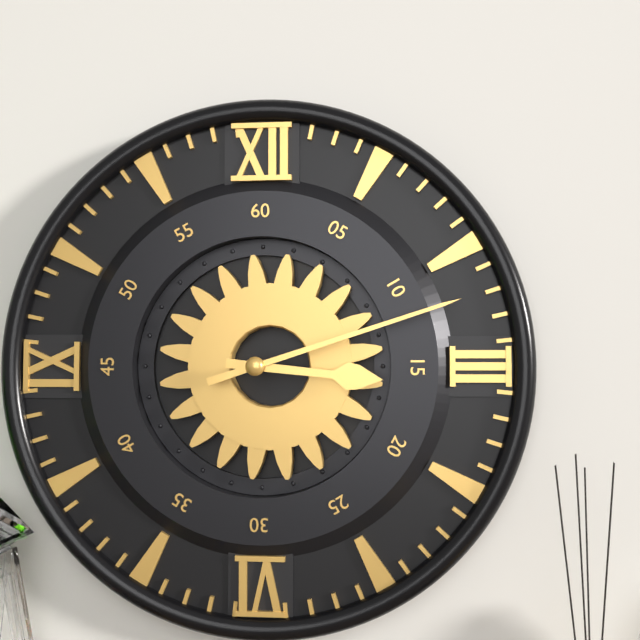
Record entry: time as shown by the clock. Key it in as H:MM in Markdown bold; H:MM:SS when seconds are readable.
**3:12**
